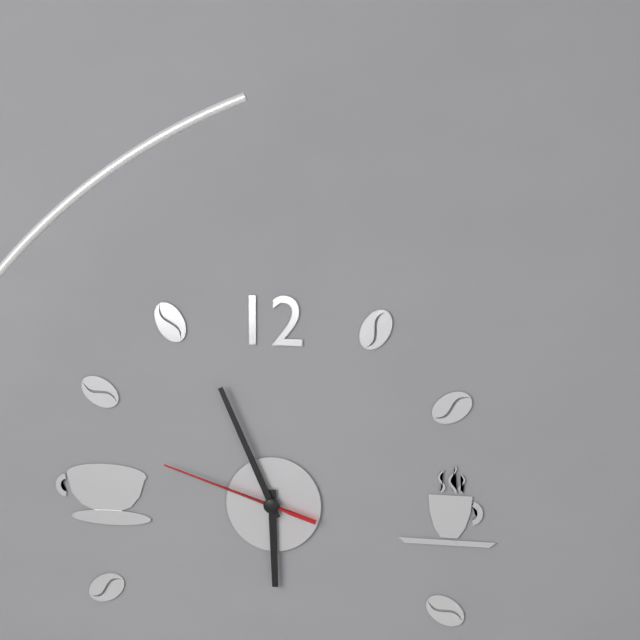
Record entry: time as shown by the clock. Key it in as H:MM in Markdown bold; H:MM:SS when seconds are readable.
**5:56:48**
